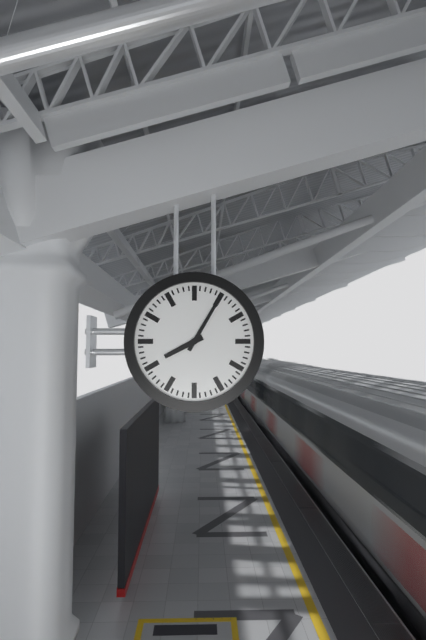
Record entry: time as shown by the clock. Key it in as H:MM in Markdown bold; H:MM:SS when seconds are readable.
**8:05**
